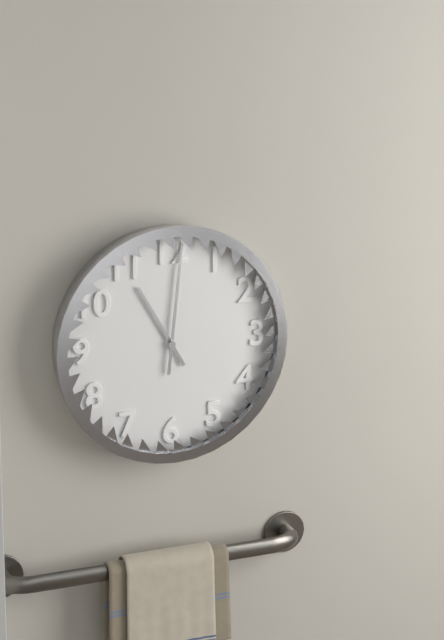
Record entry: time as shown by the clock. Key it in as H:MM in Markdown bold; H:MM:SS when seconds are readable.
**11:01**
